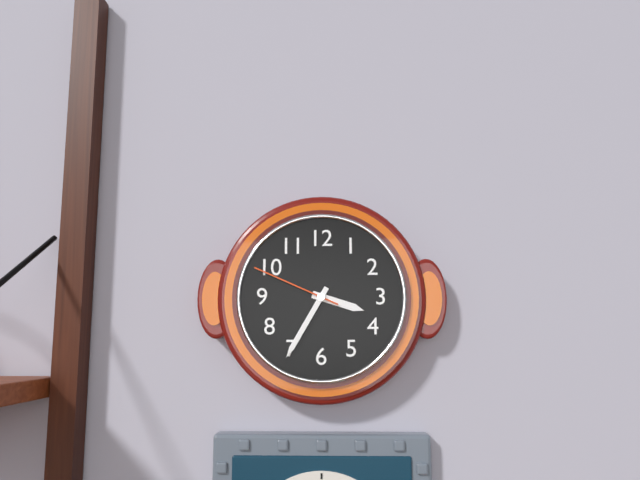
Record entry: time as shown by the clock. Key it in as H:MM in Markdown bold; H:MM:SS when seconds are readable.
**3:35:49**
